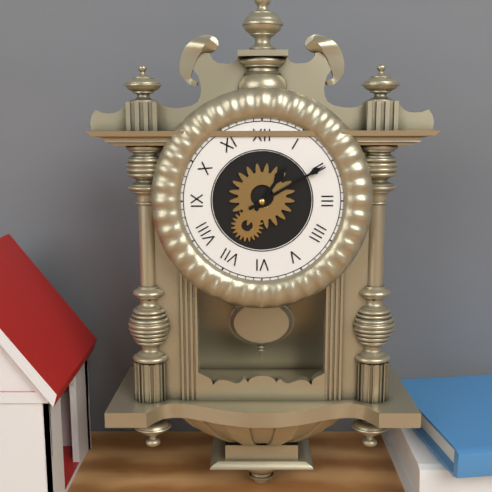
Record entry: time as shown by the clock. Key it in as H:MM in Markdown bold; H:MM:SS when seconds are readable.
**1:10**
